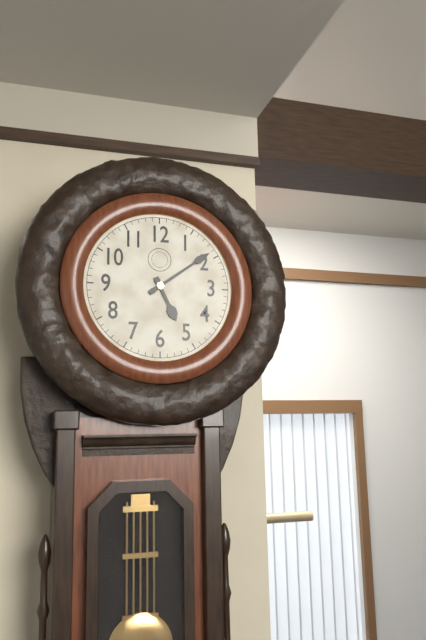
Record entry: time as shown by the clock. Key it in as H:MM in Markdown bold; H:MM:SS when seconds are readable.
**5:09**
